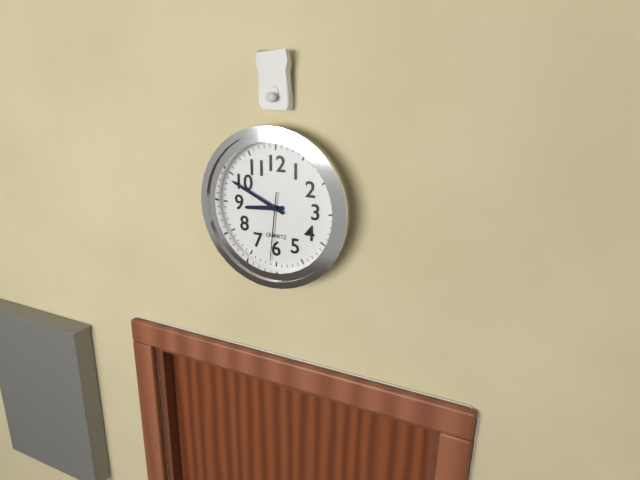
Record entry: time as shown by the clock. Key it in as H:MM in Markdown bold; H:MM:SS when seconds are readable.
**8:49:31**
